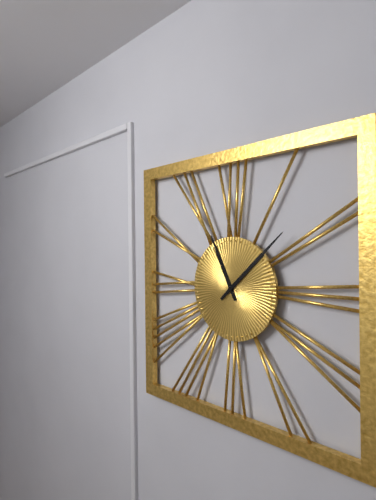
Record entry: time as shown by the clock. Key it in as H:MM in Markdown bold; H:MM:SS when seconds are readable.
**11:08**
